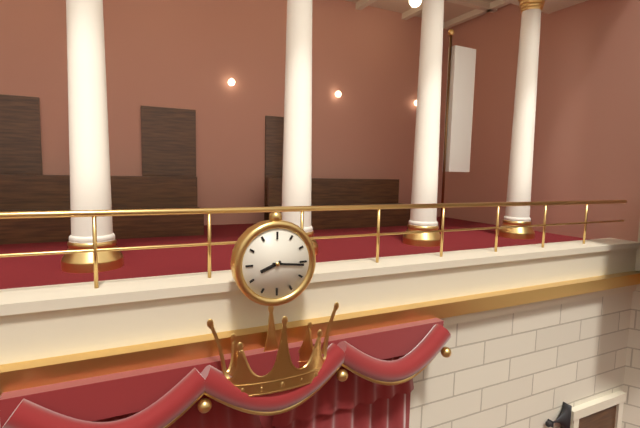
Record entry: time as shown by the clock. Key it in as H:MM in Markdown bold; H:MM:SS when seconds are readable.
**8:16**
